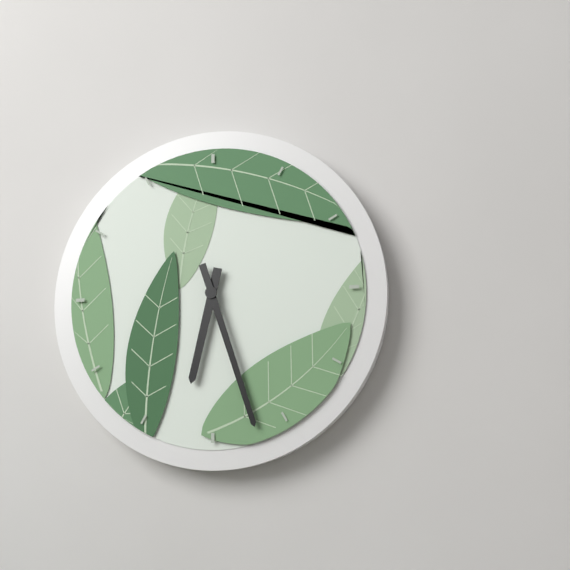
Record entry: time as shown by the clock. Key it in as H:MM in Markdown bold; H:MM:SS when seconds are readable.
**6:27**
